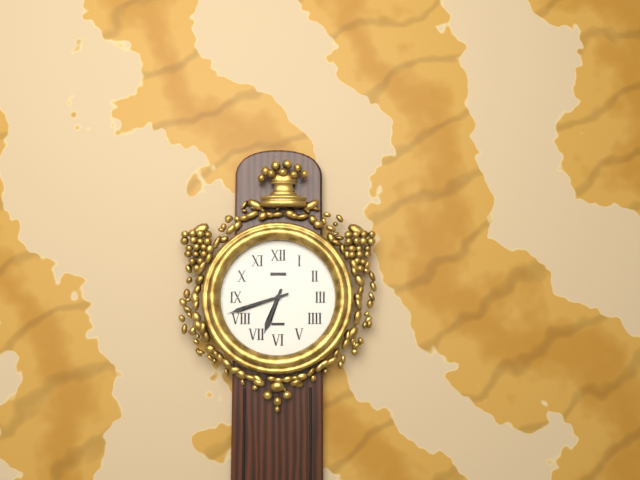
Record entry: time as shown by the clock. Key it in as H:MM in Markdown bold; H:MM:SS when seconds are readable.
**6:42**
